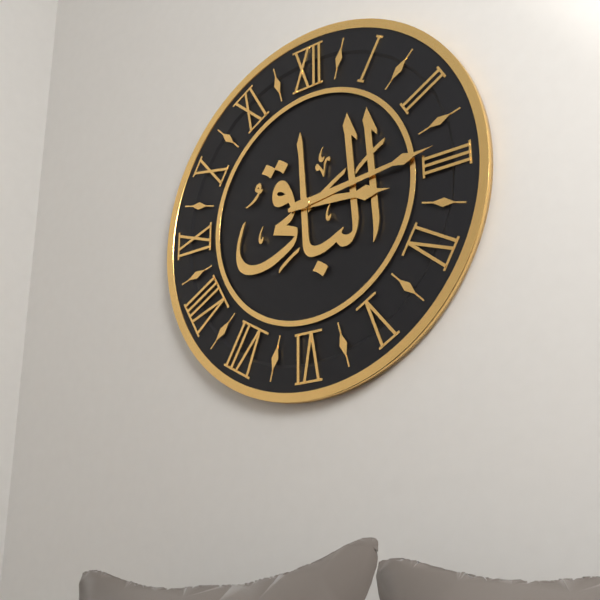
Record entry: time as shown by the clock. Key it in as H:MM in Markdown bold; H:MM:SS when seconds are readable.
**3:14**
